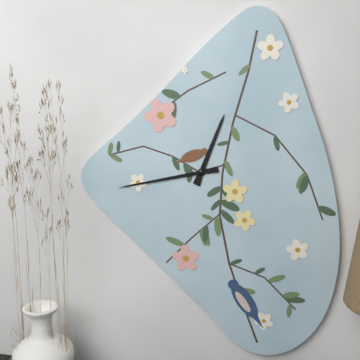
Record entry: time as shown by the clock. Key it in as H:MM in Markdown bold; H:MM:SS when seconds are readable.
**12:43**
